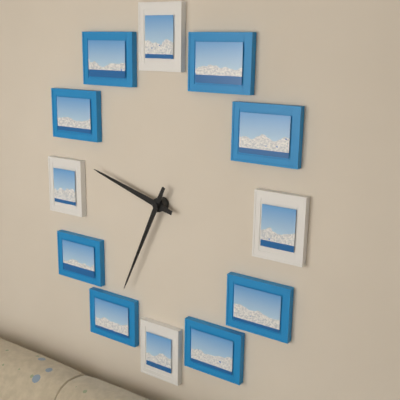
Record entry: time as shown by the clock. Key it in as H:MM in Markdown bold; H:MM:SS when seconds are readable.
**9:34**
